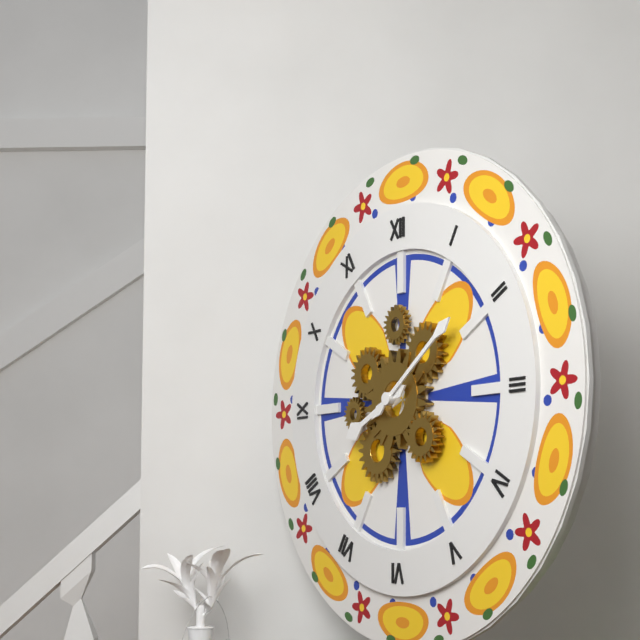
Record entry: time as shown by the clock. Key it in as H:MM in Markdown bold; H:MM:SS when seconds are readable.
**8:09**
